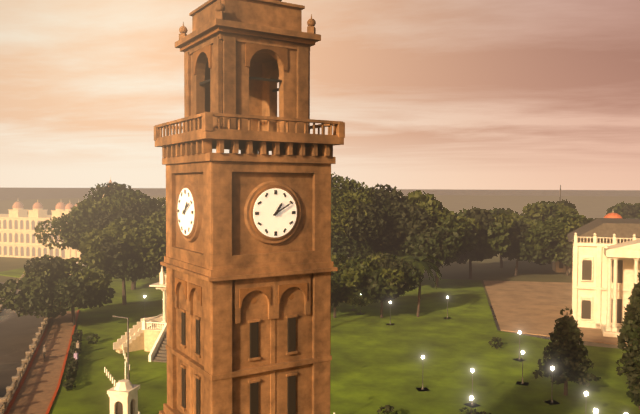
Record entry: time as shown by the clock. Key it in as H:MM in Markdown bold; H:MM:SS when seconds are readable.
**1:10**
